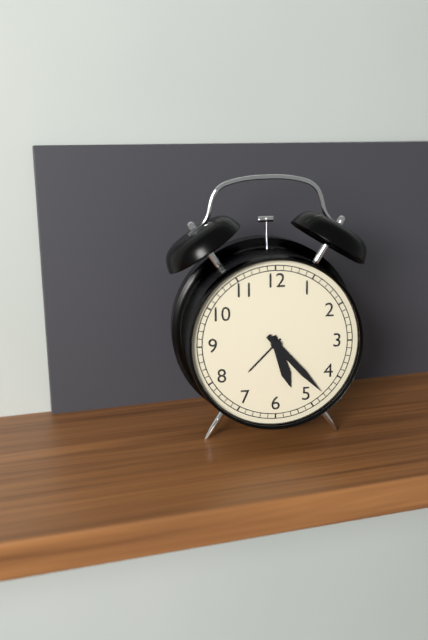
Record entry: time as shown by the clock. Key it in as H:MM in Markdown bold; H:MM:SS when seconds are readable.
**5:23**
